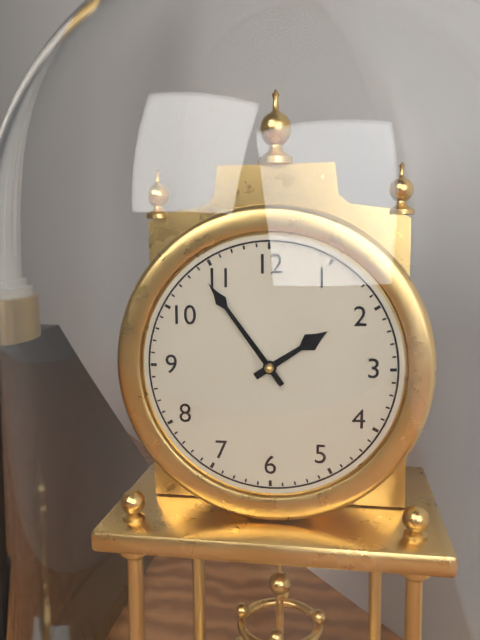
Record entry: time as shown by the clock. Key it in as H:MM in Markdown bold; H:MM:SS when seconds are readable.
**1:54**
